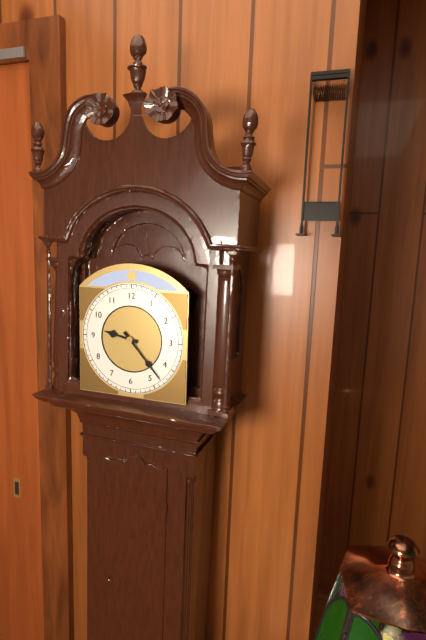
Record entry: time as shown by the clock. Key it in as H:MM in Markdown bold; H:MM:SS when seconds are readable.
**9:23**
